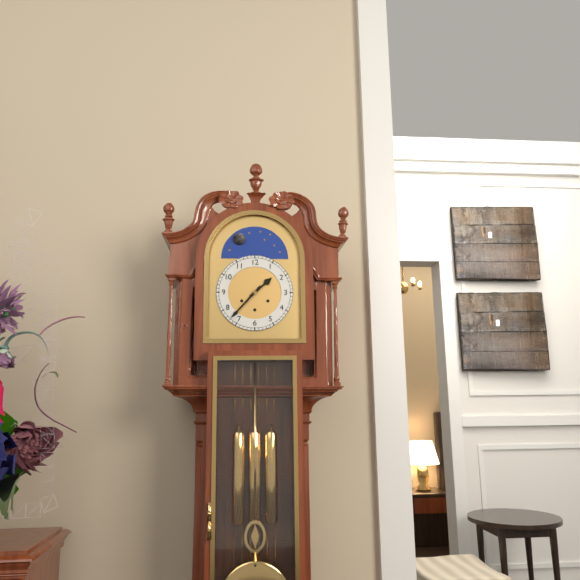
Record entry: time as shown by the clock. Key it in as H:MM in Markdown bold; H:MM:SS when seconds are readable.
**1:37**
